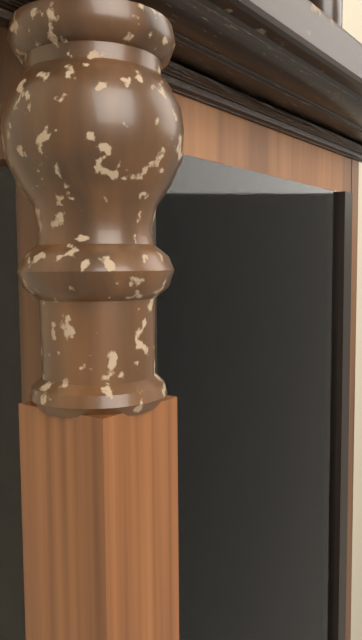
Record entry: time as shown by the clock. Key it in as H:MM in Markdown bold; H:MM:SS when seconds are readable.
**1:34**
